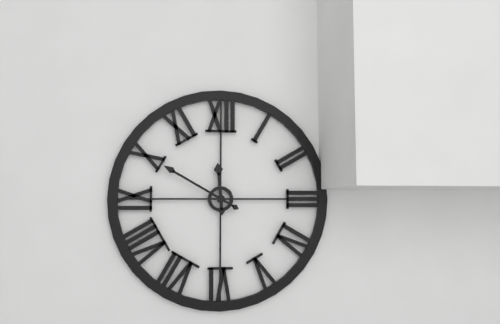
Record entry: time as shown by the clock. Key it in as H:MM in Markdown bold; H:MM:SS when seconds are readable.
**11:50**
